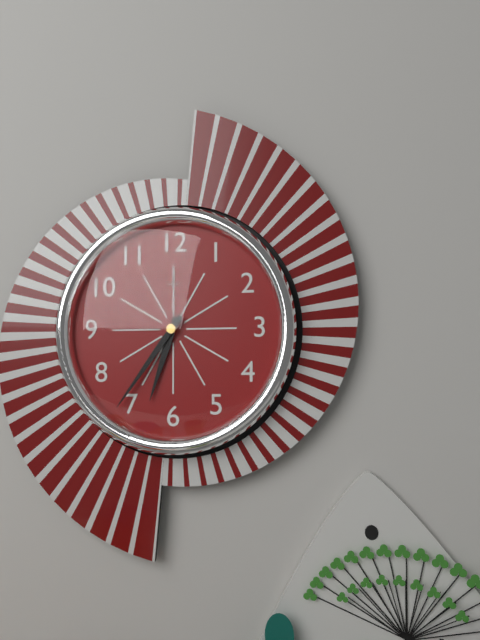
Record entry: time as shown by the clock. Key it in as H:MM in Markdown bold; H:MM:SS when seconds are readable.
**6:36**
